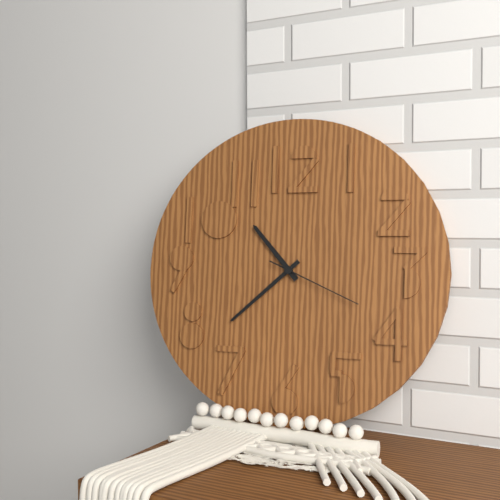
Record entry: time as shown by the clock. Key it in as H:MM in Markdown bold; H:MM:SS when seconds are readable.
**10:38:19**
